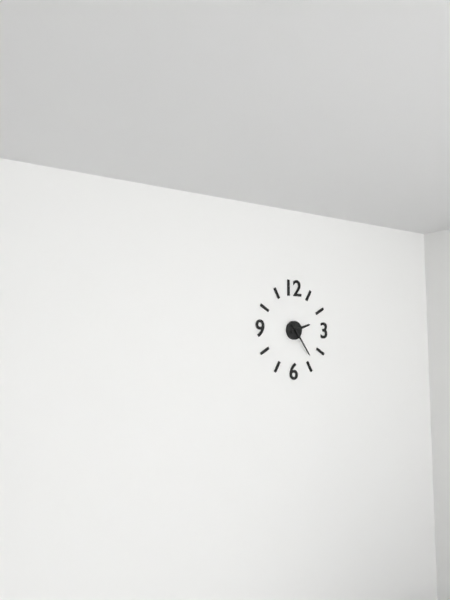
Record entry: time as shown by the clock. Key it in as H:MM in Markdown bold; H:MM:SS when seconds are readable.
**2:24**
